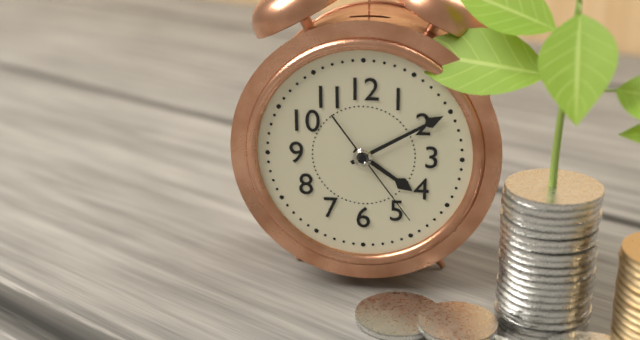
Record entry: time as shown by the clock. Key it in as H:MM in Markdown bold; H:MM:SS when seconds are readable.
**4:10:24**
